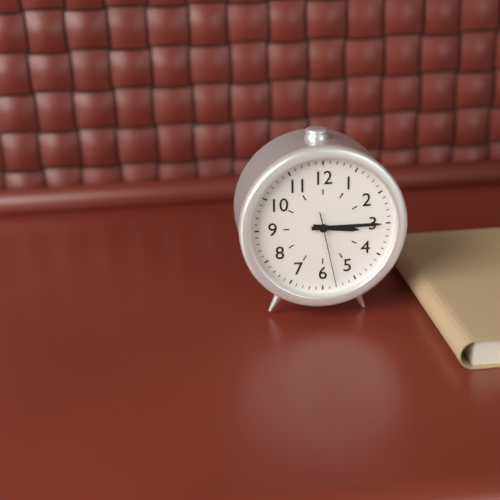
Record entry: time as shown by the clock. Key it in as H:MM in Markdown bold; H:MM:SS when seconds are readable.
**3:15:28**
